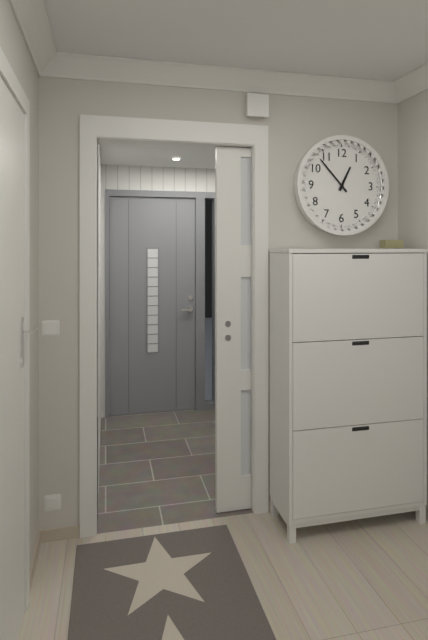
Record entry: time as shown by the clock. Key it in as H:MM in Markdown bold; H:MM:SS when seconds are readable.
**12:53**
